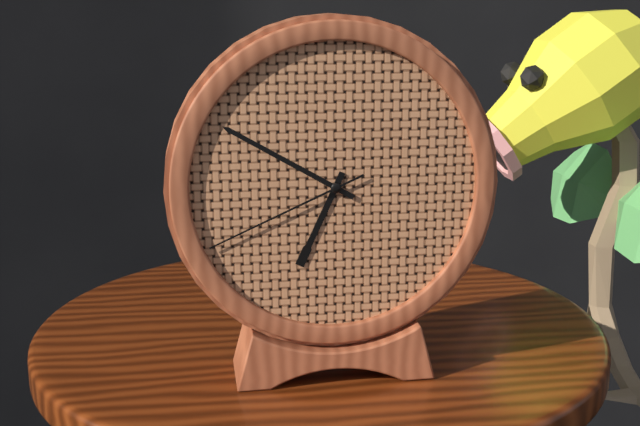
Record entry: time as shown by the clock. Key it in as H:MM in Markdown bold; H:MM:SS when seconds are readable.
**6:50:41**
